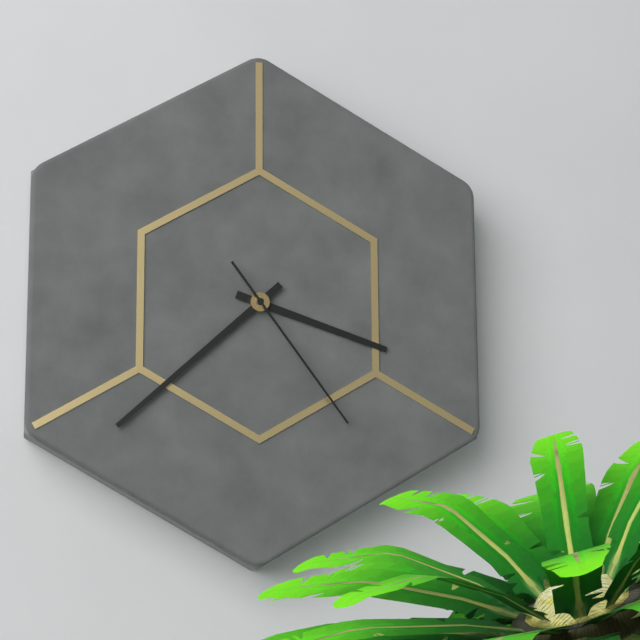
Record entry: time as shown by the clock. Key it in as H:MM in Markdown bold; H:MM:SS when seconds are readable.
**3:38:24**
